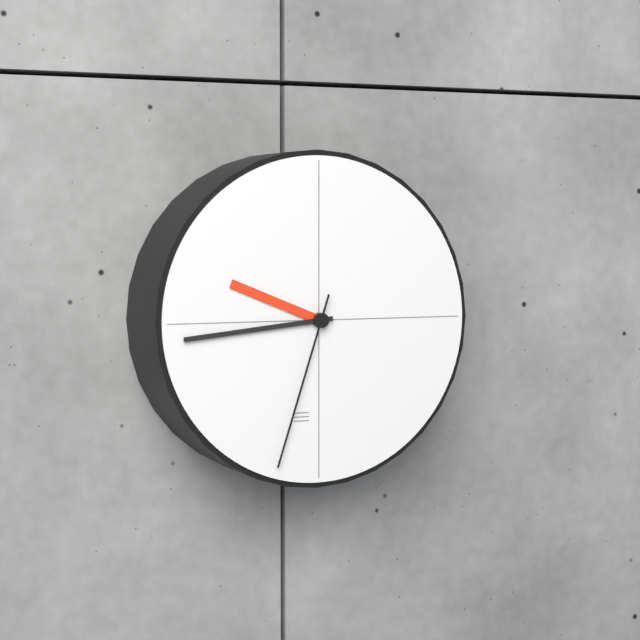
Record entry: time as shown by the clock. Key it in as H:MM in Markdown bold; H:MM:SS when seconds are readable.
**9:44:33**
